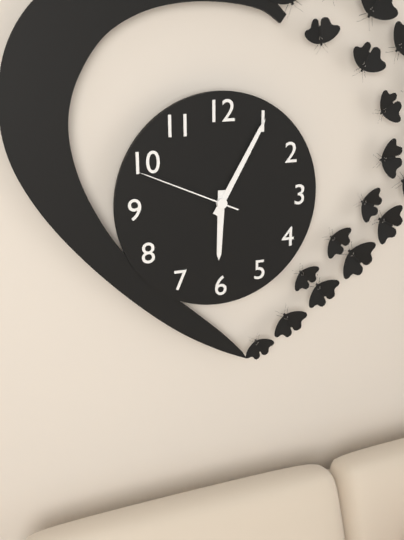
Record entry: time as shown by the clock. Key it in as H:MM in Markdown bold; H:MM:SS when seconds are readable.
**6:05:49**
